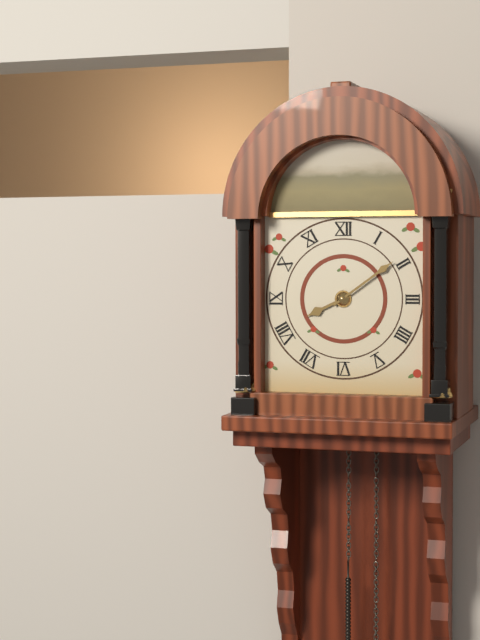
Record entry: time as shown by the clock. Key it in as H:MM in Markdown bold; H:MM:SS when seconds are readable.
**8:09**
